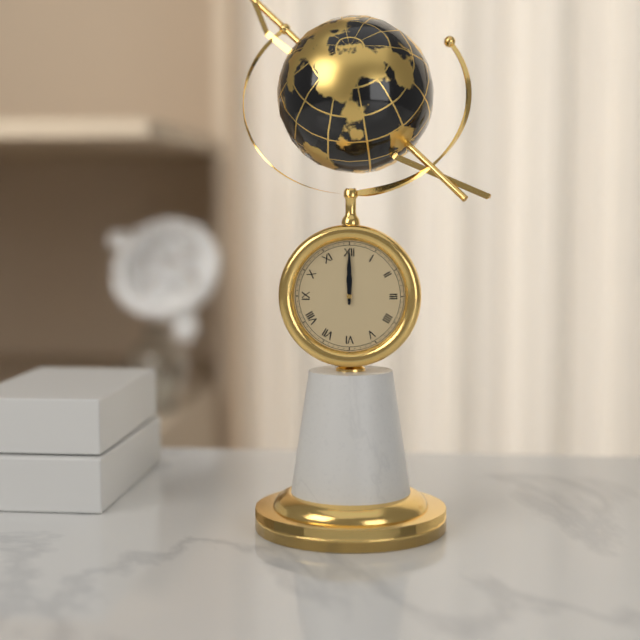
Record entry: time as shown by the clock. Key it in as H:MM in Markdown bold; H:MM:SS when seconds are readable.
**12:00**
